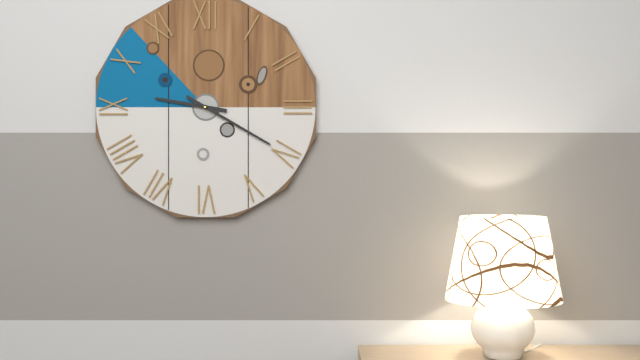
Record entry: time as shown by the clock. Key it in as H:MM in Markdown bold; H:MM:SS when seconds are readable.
**9:20**
